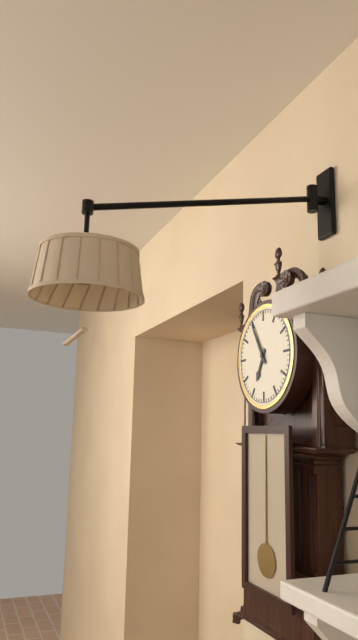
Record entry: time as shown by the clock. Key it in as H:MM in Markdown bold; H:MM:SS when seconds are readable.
**6:55**
